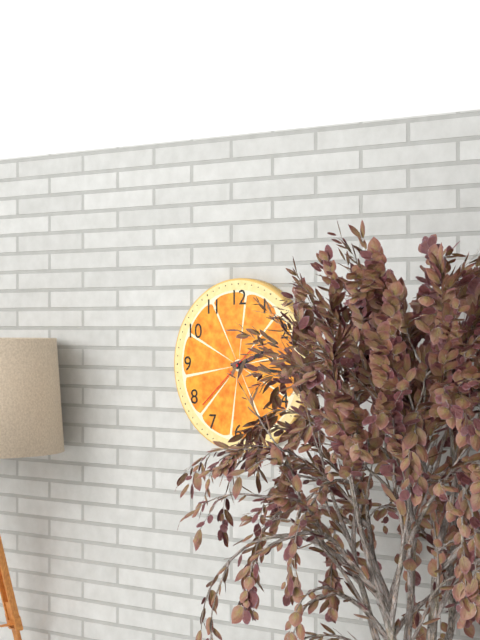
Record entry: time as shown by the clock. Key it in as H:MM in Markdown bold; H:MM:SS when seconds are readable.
**2:16:38**
